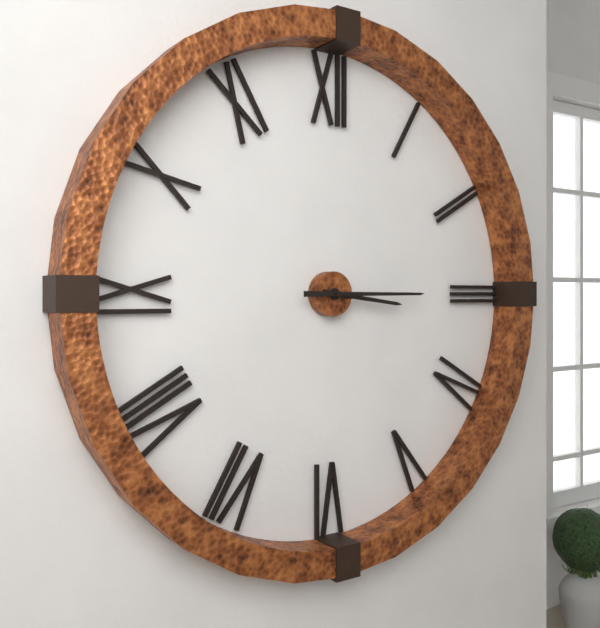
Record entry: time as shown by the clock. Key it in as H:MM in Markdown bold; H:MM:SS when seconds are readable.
**3:15**
